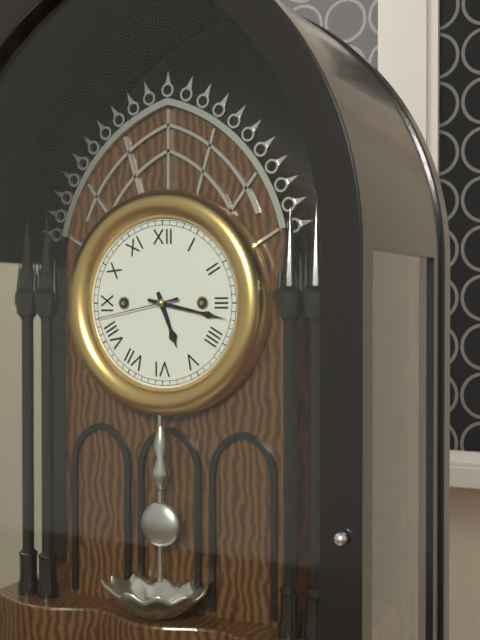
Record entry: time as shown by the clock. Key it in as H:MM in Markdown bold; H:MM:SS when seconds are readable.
**5:17:43**
